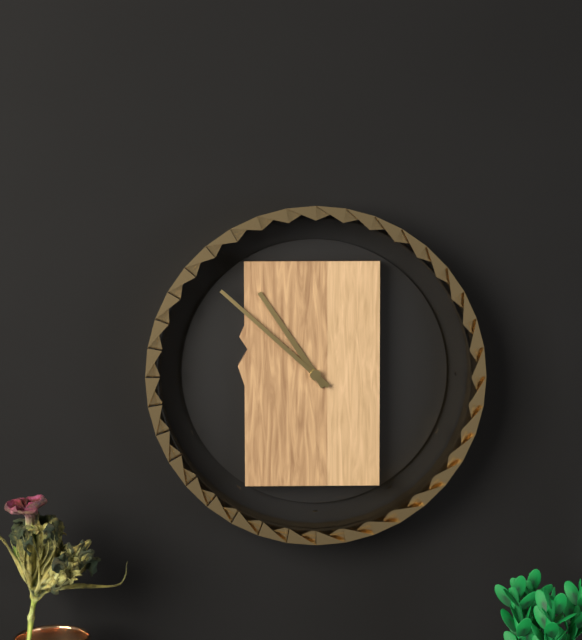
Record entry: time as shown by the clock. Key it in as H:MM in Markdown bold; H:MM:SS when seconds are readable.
**10:52**
